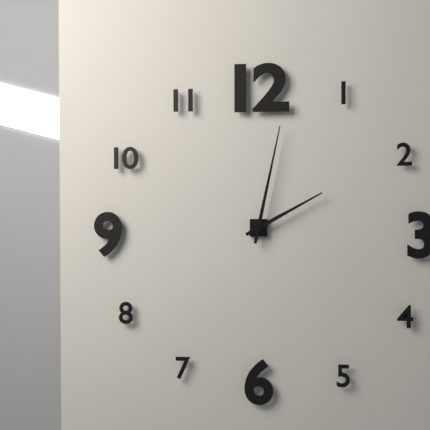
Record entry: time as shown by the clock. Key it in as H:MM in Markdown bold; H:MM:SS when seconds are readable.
**2:02**
